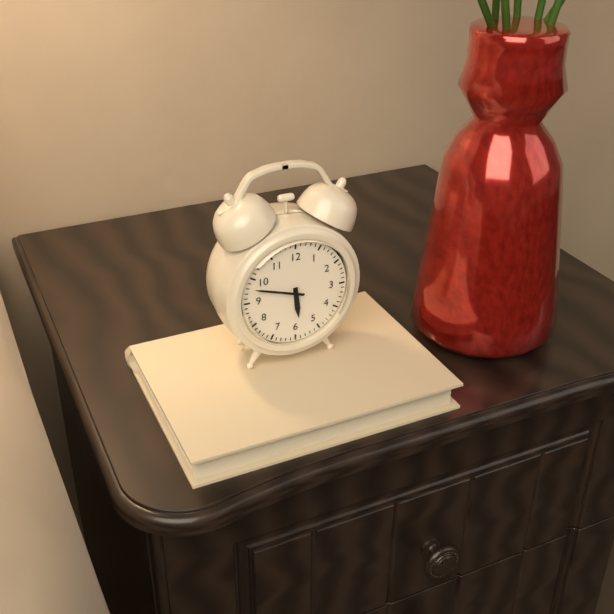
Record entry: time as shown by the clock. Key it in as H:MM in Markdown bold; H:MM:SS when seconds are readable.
**5:48**
